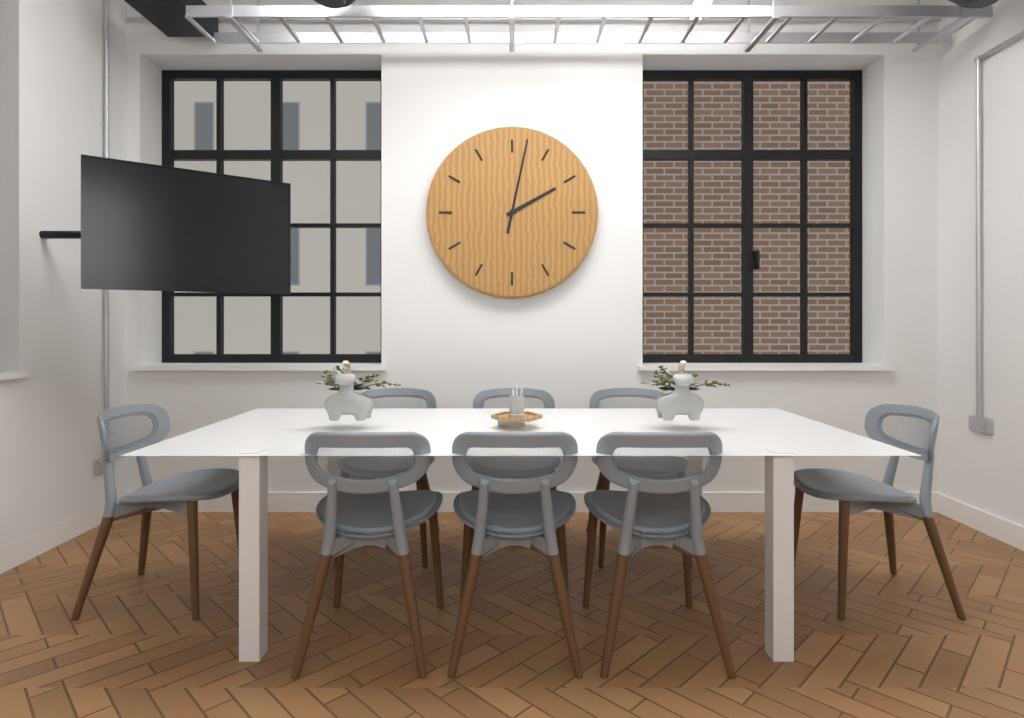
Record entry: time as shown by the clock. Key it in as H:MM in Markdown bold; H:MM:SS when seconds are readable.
**2:02**
